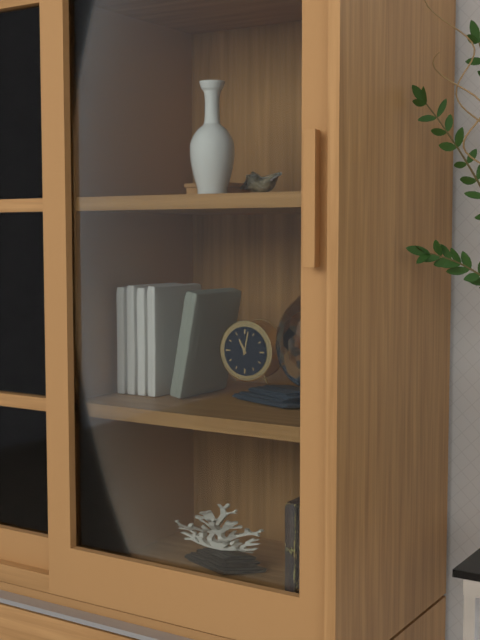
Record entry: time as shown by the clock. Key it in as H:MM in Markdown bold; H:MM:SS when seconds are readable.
**11:02**
